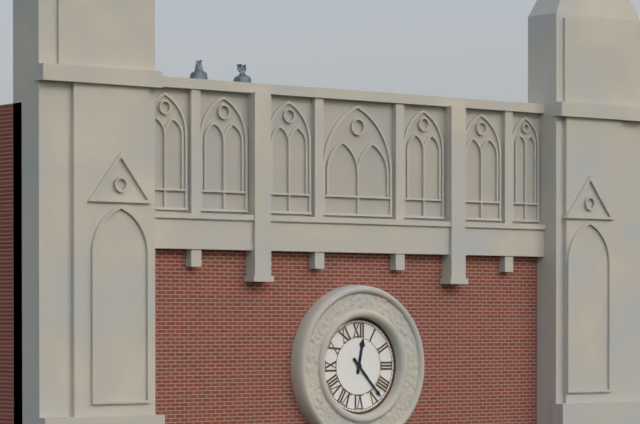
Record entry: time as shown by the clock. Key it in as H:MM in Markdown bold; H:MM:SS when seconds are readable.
**12:23**
